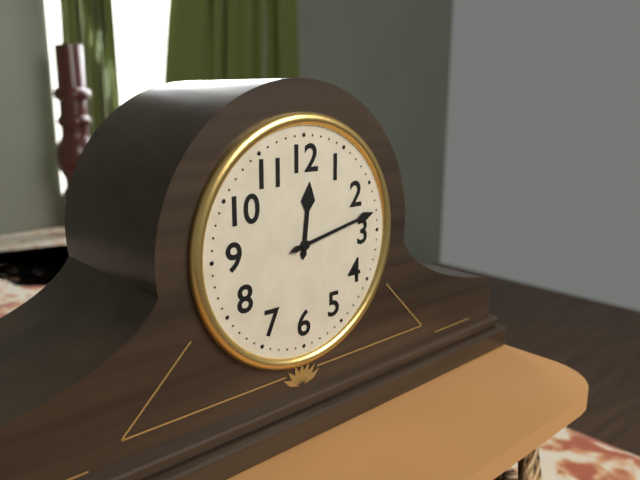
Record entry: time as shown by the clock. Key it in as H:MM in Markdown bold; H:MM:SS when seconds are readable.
**12:13**
